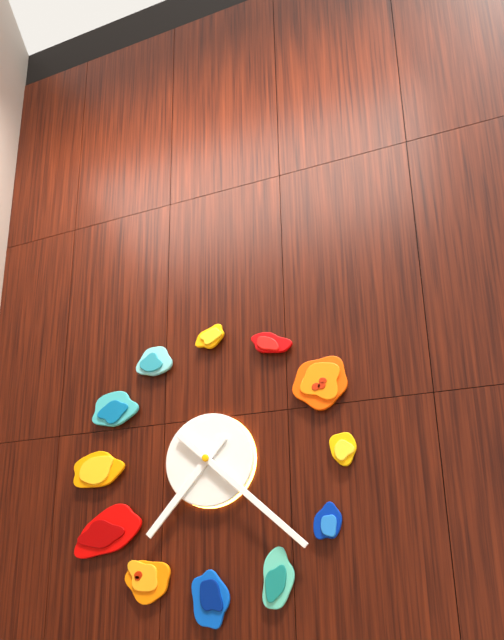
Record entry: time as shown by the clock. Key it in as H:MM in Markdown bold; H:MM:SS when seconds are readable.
**7:22**
